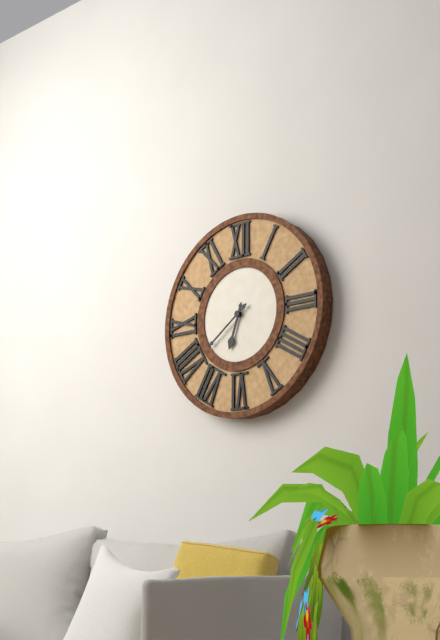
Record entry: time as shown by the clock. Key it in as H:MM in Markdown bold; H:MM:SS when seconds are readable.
**6:39**
